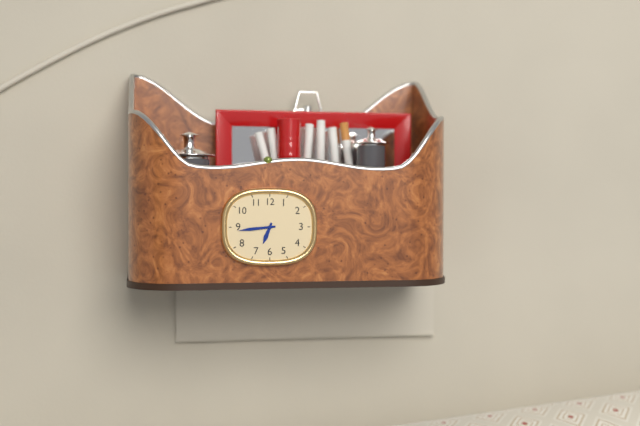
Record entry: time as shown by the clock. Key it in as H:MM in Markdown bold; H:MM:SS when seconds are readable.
**6:44**
